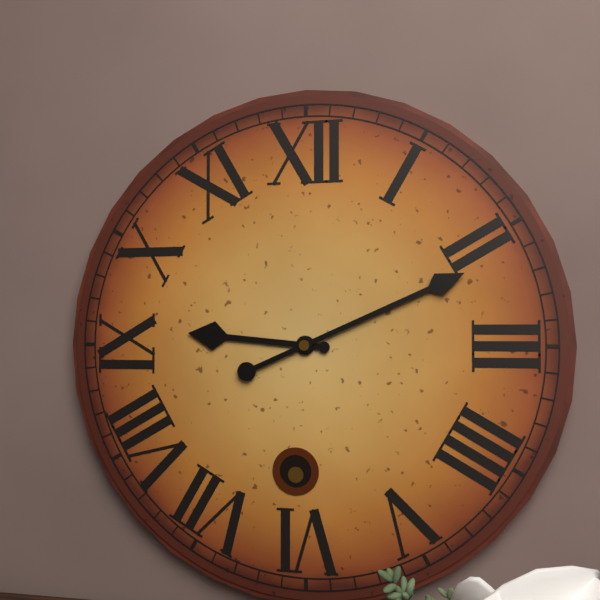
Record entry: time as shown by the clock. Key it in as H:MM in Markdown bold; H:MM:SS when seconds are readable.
**9:11**
